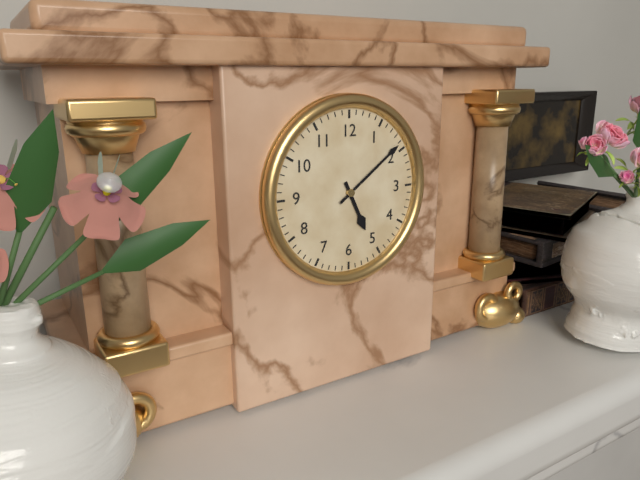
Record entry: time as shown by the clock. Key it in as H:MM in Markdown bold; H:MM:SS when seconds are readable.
**5:09**
